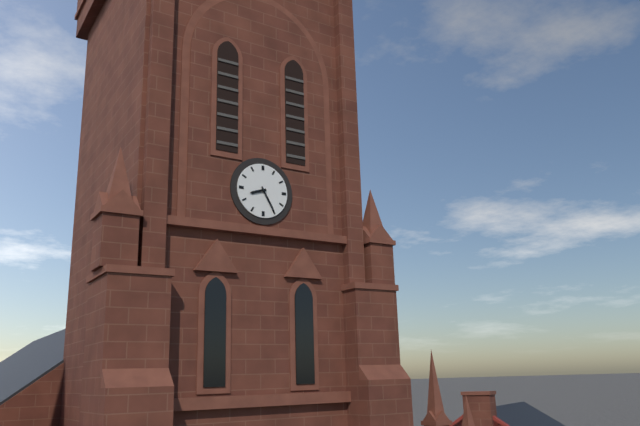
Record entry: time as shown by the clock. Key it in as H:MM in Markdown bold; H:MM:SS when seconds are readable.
**8:25**
